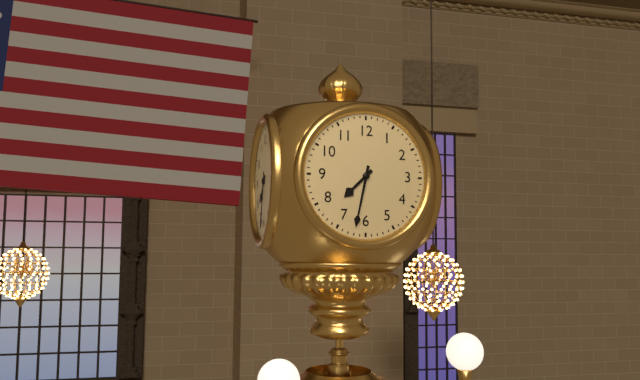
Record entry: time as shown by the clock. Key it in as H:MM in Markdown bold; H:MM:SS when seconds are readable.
**7:32**
